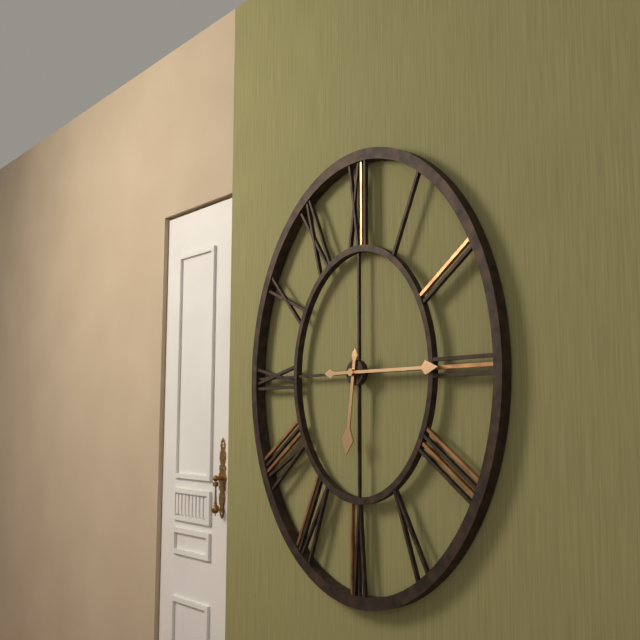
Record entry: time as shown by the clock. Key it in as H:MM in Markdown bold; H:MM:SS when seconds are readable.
**6:15**
